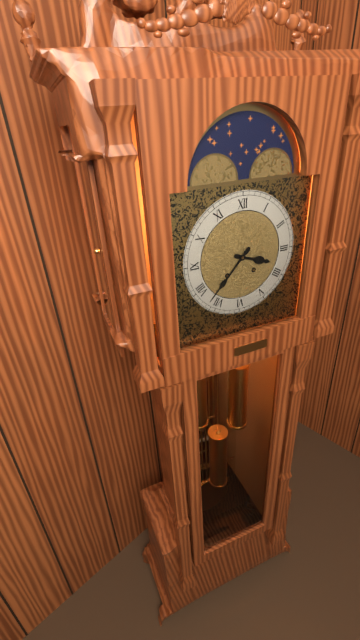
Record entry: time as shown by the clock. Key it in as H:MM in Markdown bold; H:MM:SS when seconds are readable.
**3:37**
